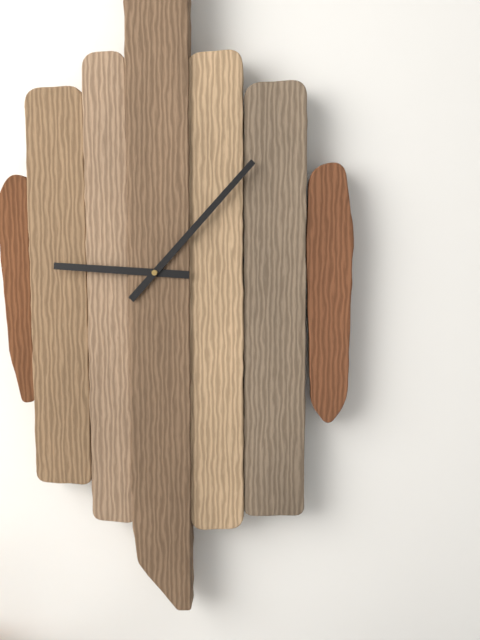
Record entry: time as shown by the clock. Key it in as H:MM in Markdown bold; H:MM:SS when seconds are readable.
**9:07**
